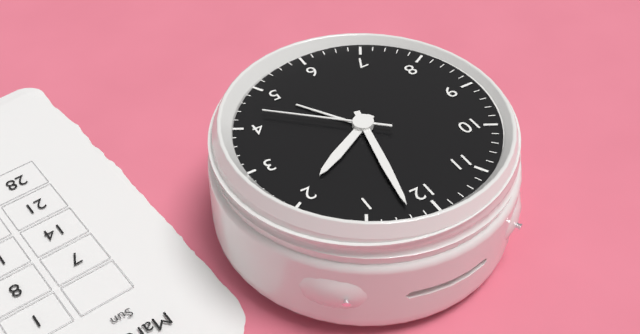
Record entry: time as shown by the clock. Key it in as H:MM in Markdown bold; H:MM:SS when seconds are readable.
**2:02:22**
